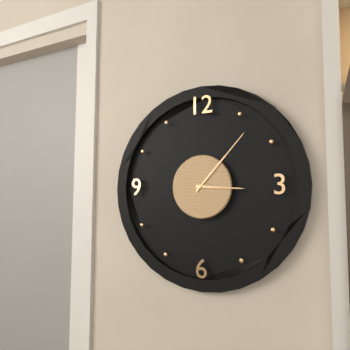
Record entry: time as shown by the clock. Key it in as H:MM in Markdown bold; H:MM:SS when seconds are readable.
**3:07**
